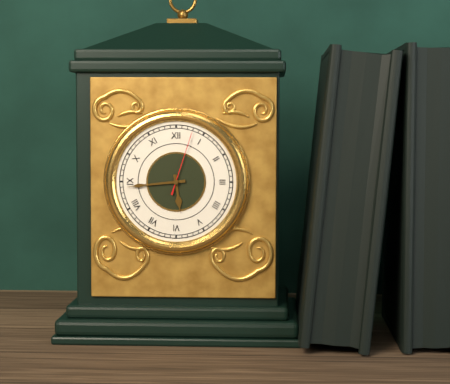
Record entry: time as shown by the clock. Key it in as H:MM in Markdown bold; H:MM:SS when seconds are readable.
**5:44:03**
